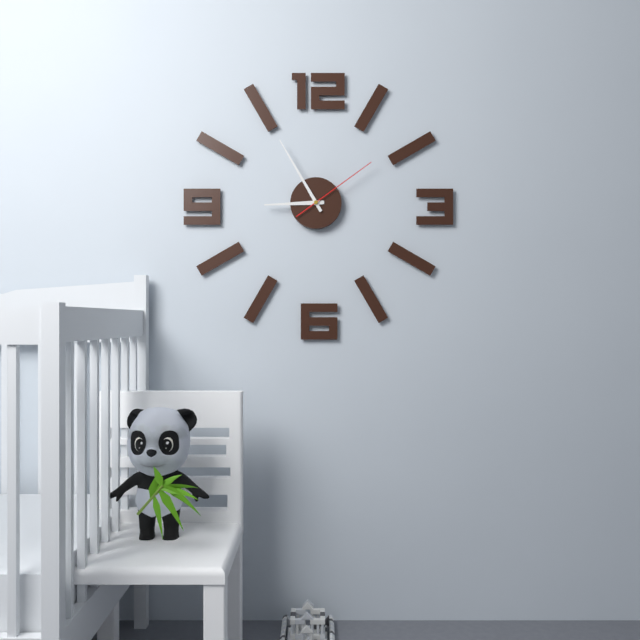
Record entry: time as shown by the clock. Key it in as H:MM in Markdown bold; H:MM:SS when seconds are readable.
**8:55:09**
